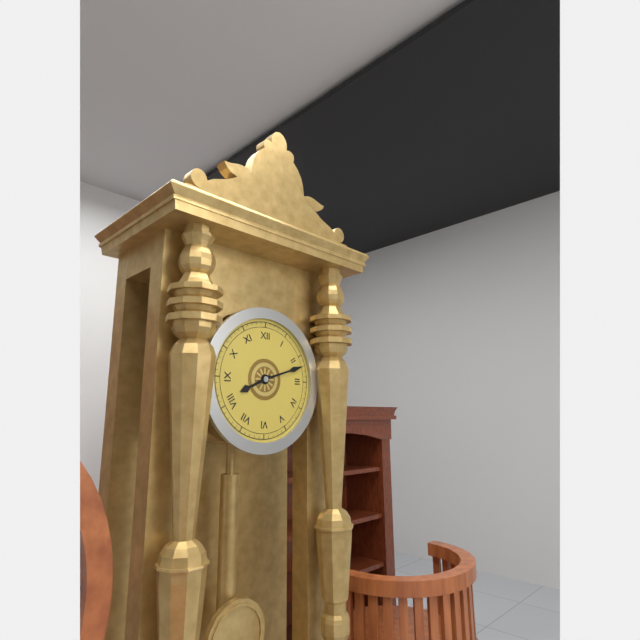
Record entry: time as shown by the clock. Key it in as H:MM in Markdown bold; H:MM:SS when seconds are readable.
**8:12**
